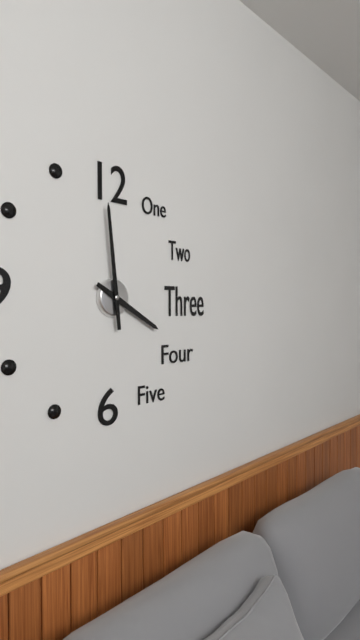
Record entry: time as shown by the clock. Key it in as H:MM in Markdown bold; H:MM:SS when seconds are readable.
**3:59**
